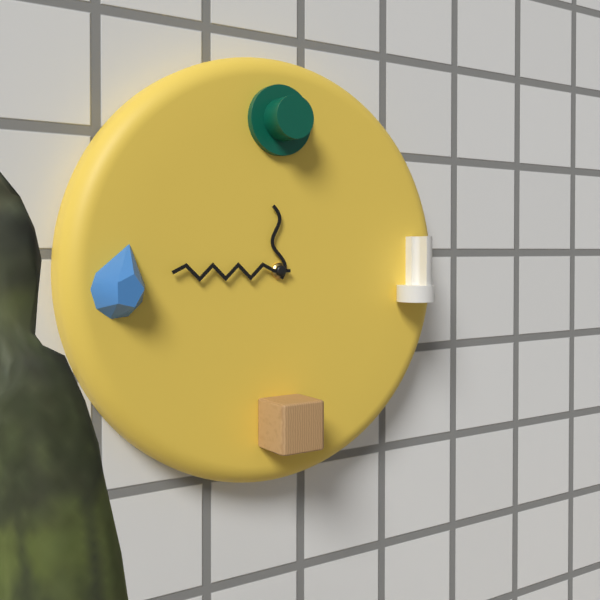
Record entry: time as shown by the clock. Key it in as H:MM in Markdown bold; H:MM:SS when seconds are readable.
**11:45**
